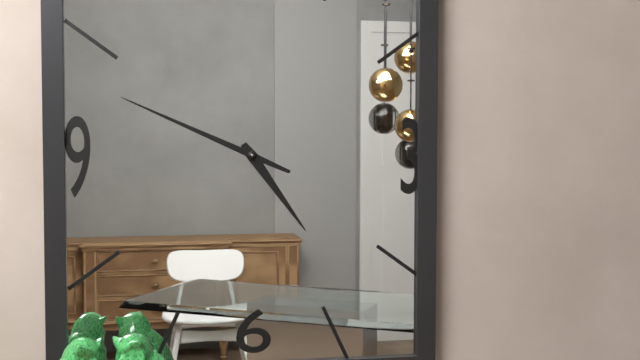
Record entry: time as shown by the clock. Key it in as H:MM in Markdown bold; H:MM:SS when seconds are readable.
**4:49**
